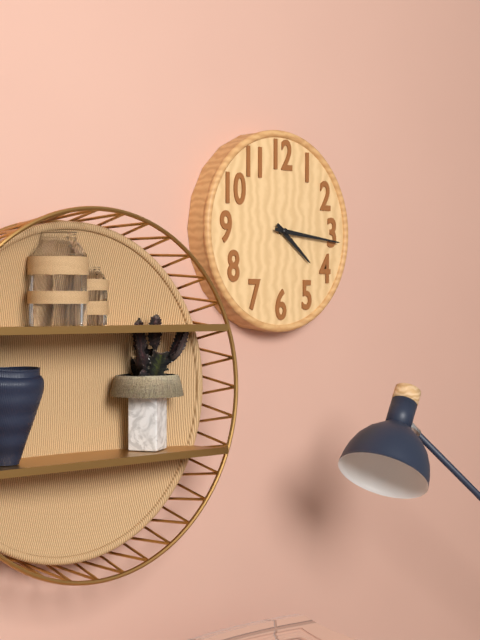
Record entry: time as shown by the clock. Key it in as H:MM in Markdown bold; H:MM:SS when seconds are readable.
**4:16**
